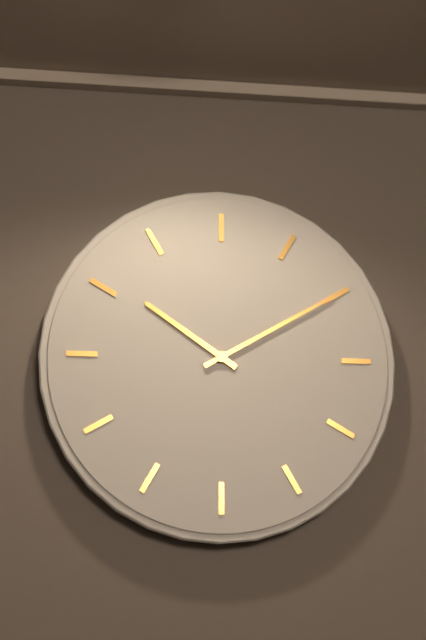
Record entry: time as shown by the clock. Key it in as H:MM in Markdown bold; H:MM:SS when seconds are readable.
**10:10**
